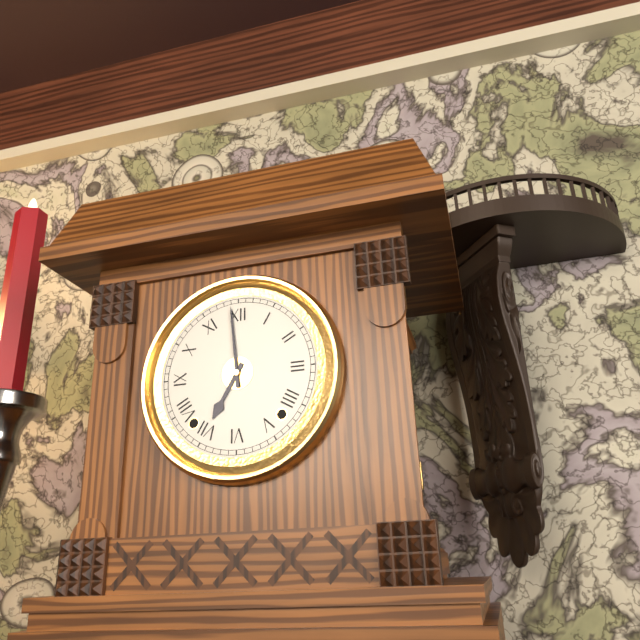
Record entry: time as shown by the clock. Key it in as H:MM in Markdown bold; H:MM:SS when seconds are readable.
**6:59**
